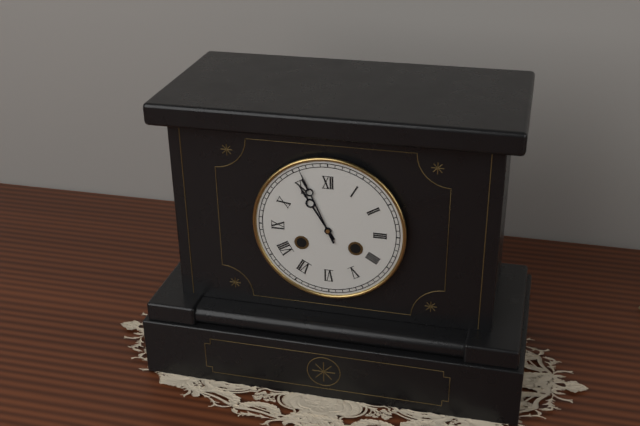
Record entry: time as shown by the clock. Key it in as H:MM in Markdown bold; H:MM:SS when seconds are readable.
**10:56**
